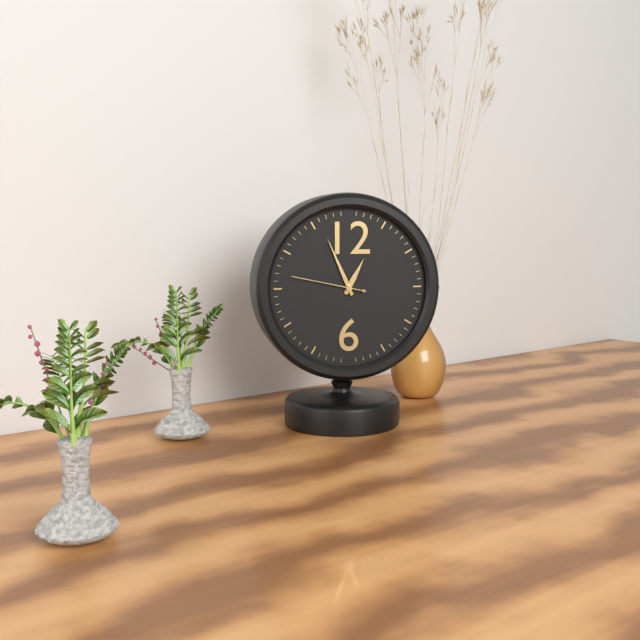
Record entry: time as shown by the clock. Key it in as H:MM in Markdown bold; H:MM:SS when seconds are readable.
**12:56:47**
